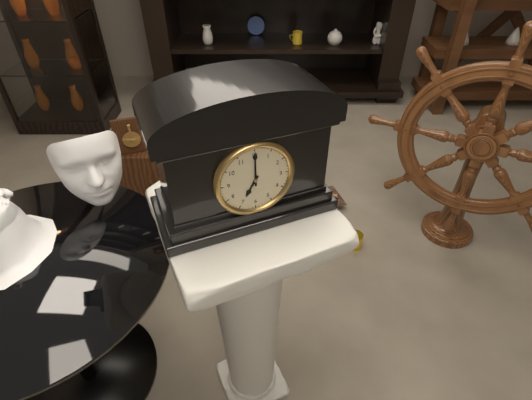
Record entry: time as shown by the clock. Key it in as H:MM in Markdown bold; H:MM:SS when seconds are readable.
**7:00**
